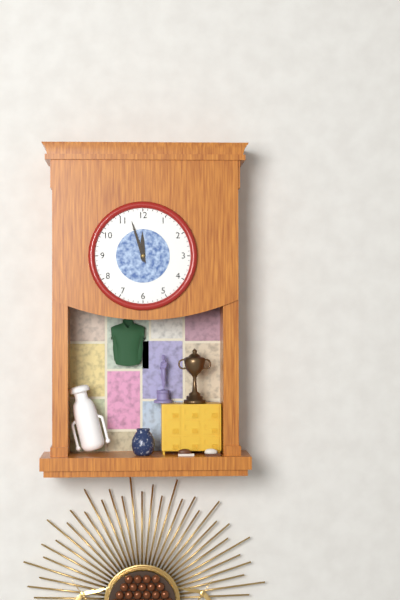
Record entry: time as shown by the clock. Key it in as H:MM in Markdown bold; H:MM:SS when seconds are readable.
**11:57**
